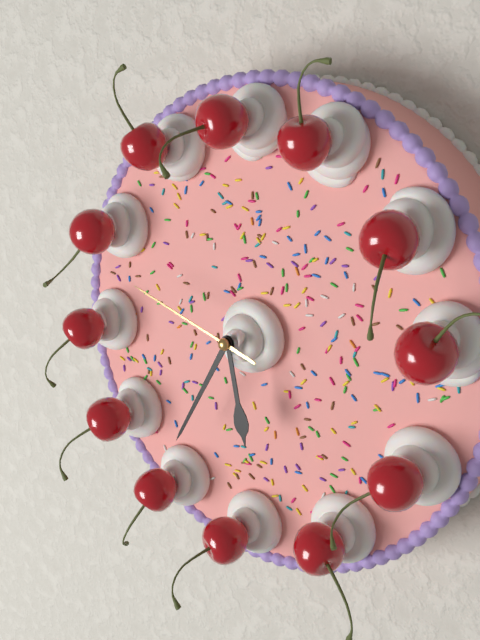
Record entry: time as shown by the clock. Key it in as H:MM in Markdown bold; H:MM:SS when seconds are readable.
**5:35:48**
